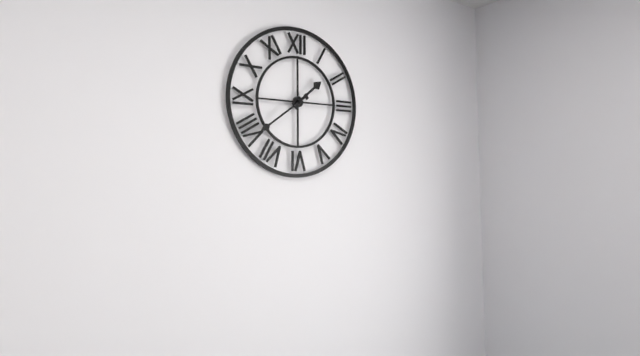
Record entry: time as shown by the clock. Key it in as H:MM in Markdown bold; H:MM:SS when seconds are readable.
**1:39**
